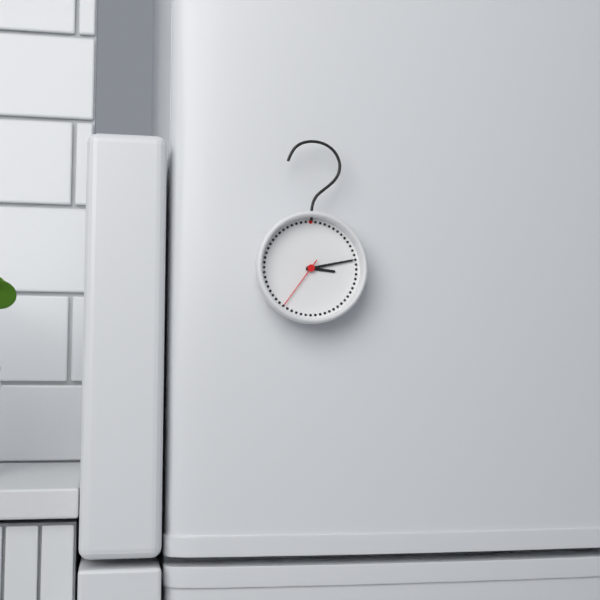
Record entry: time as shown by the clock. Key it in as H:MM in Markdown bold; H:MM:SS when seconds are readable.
**3:13:36**
